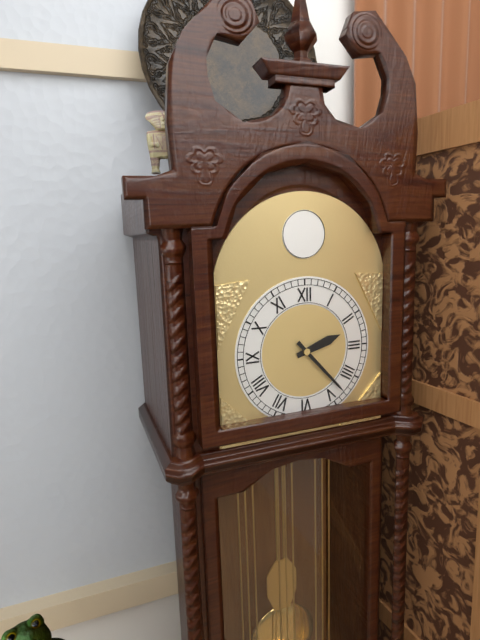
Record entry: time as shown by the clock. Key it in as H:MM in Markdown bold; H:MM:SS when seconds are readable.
**2:23**
